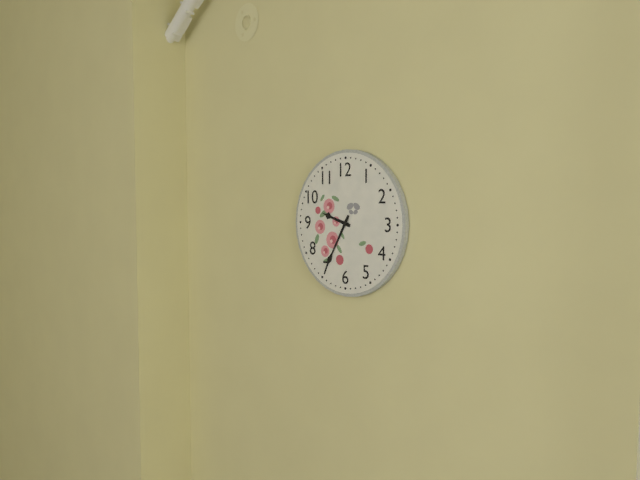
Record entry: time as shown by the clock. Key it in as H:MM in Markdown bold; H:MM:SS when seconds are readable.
**9:35**
